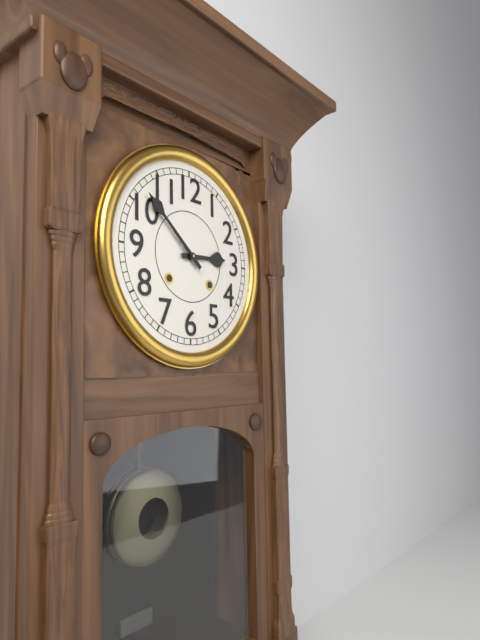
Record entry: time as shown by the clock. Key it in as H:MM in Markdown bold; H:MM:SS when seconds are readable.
**2:52**
